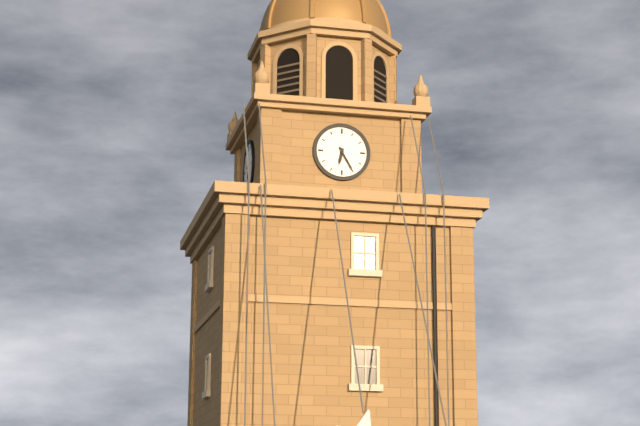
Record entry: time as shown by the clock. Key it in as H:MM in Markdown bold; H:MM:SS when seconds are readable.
**6:25**
